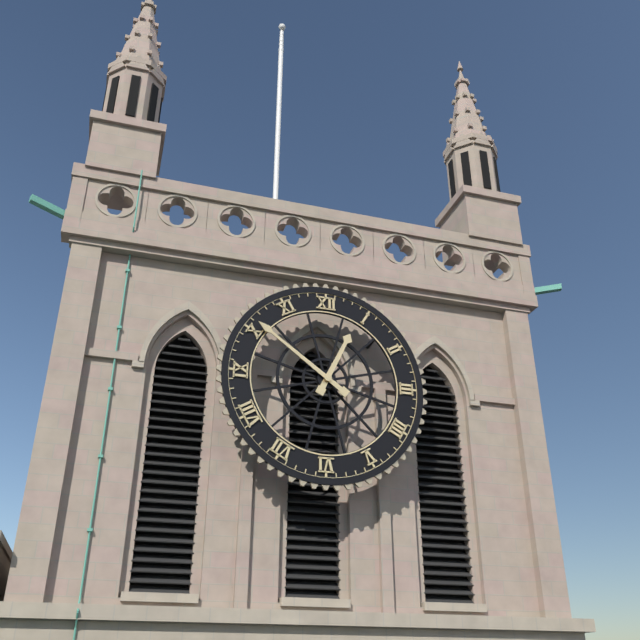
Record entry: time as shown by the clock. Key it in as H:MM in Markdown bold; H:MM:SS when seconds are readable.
**12:51**
